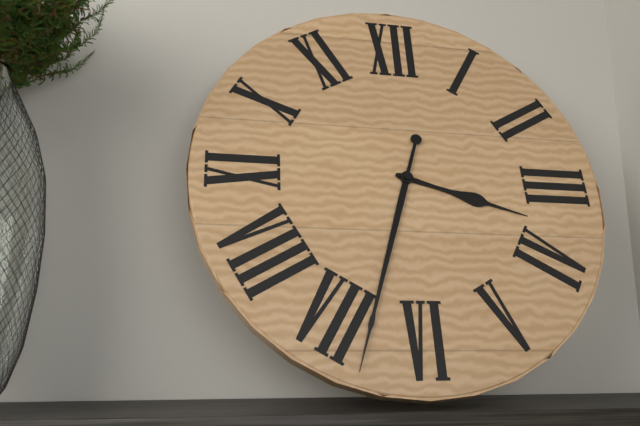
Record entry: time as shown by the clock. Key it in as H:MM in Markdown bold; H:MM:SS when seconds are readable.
**3:33**
